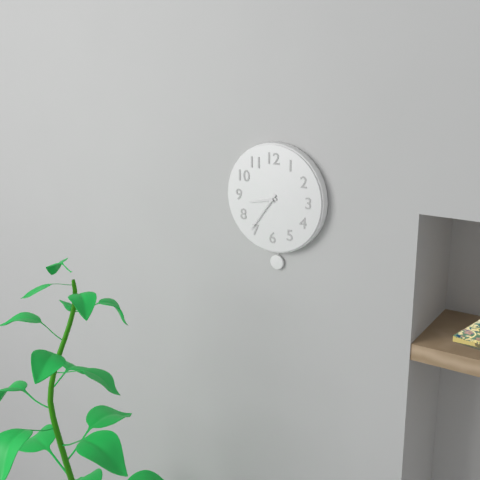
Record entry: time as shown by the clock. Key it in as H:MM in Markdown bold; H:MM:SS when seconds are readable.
**8:36**
